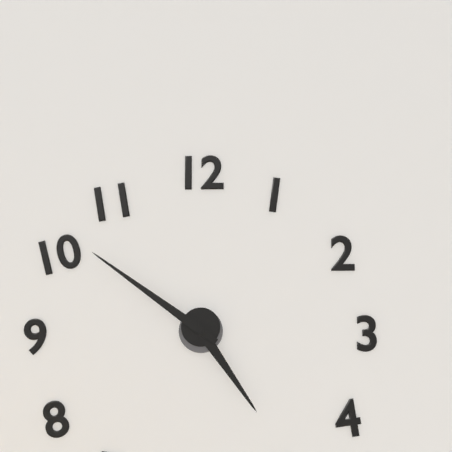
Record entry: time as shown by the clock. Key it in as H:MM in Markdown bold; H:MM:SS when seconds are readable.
**4:51**
